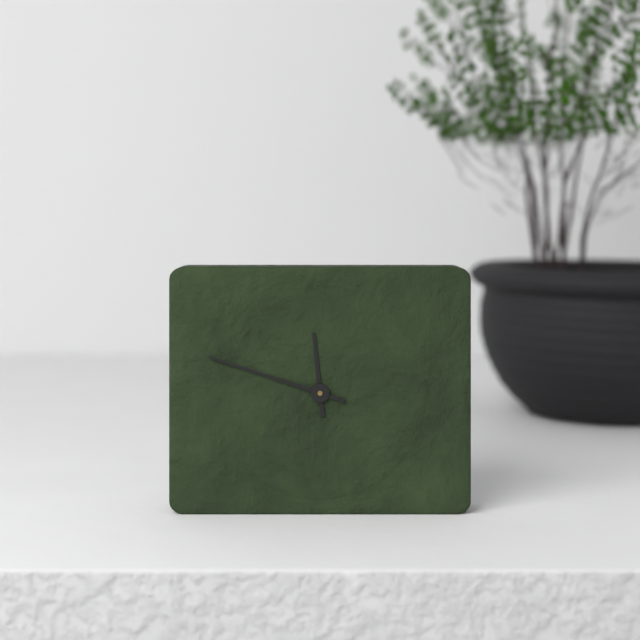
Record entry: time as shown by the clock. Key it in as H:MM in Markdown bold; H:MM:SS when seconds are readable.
**11:48**
